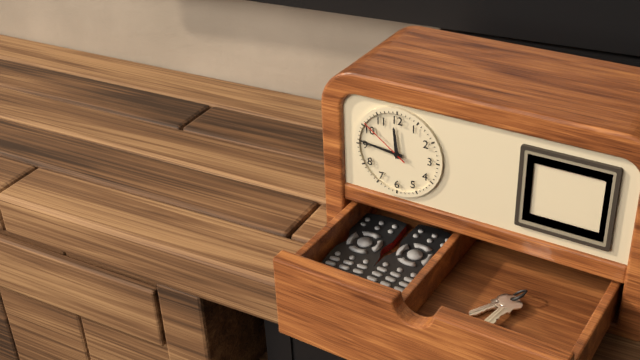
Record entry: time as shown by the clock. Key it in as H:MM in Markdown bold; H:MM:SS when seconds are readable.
**11:46:51**
